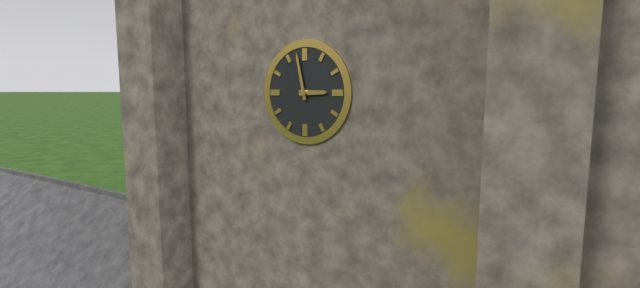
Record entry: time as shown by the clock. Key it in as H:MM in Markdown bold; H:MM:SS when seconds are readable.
**2:58**
